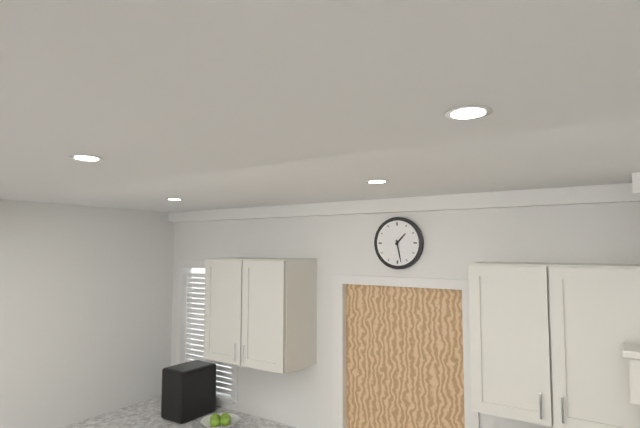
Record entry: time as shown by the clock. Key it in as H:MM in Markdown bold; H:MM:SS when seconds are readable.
**1:28**
